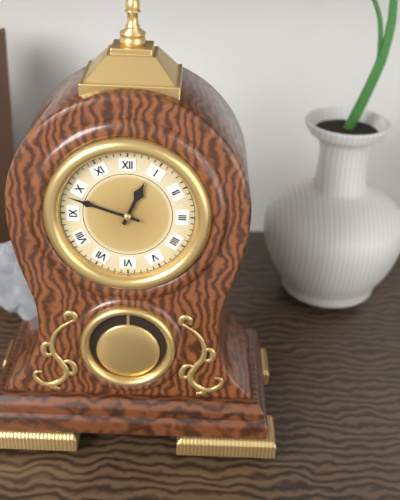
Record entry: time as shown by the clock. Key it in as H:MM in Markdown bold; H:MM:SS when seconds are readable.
**12:48**
